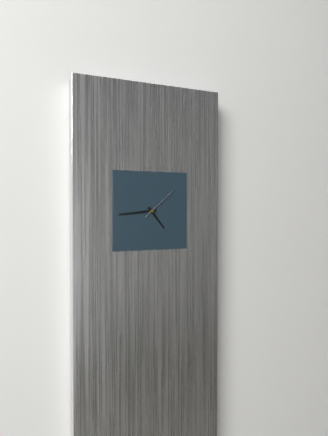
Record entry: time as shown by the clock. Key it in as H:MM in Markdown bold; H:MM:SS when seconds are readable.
**4:44**
